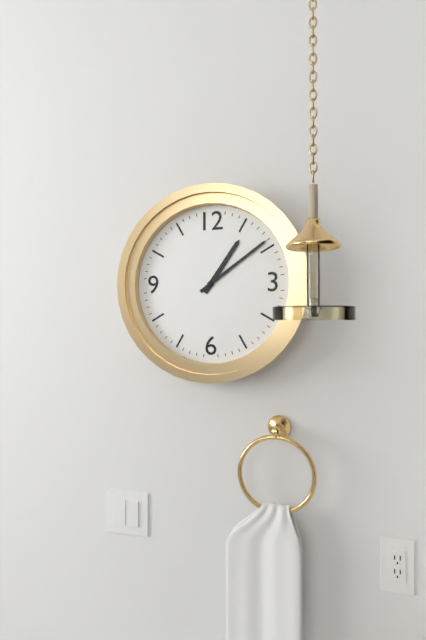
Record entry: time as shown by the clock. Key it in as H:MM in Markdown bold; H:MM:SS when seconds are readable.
**1:09**
